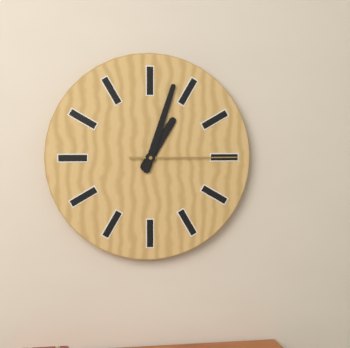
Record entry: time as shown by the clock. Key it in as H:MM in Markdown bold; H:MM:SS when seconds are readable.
**1:03:15**
